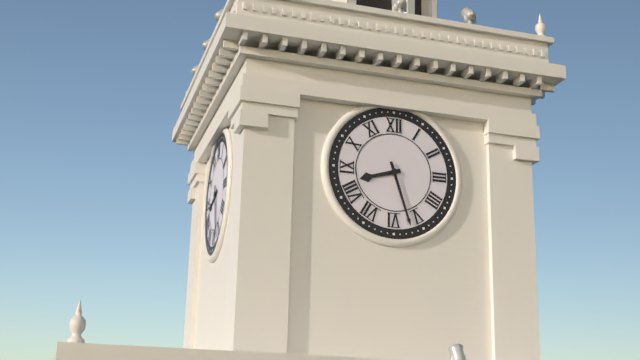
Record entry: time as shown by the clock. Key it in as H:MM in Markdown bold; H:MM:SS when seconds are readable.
**8:27**
